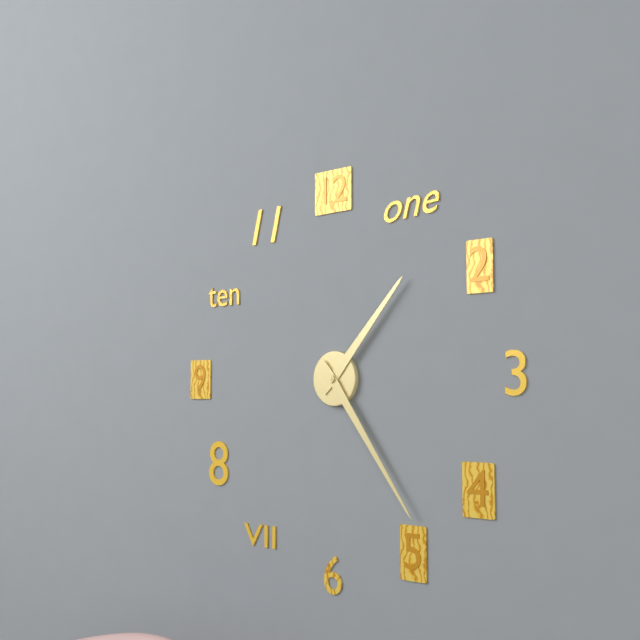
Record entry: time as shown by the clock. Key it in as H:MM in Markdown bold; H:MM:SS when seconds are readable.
**1:24**
